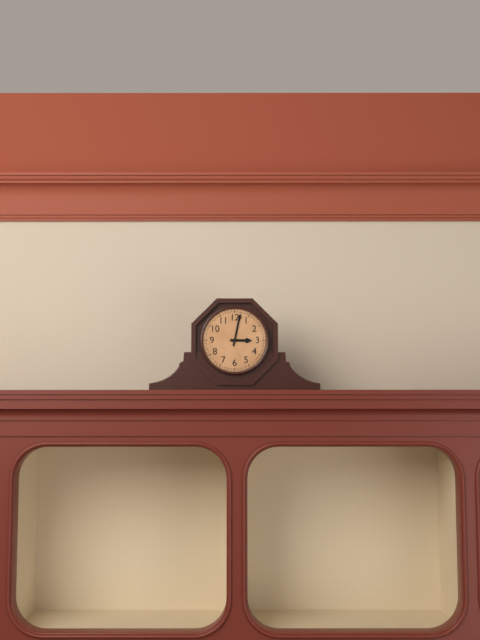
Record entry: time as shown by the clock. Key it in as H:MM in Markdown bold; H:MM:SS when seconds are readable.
**3:02**
